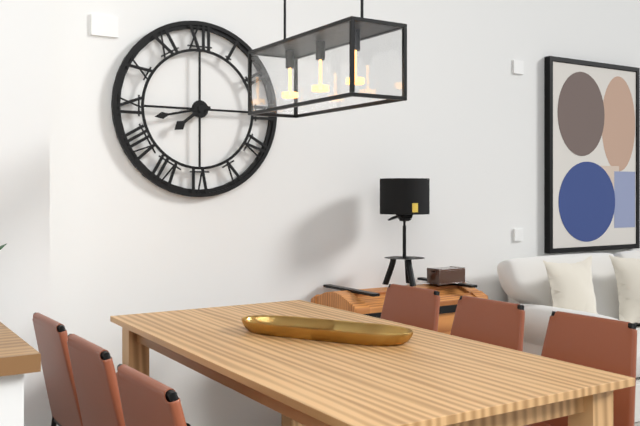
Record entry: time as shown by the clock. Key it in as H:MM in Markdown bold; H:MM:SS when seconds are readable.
**7:43**
